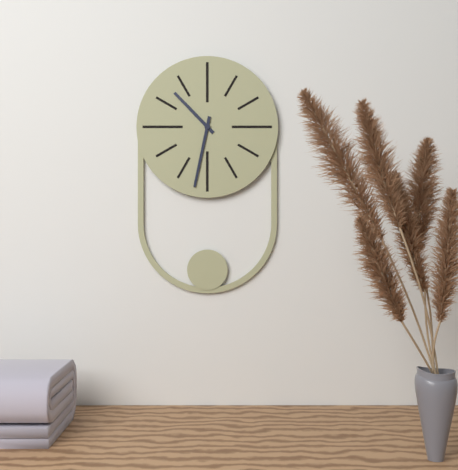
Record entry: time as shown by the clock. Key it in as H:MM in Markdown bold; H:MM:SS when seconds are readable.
**10:32**
